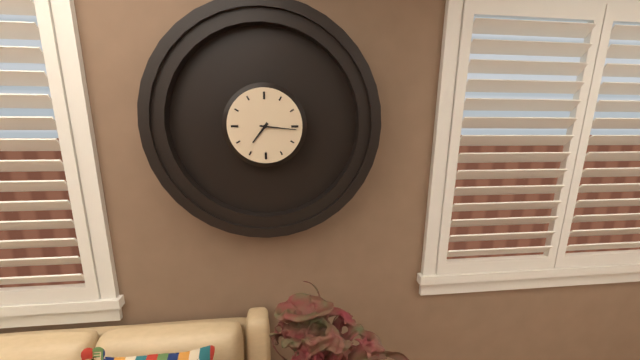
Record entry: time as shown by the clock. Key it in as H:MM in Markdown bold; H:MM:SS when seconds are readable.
**7:16**
